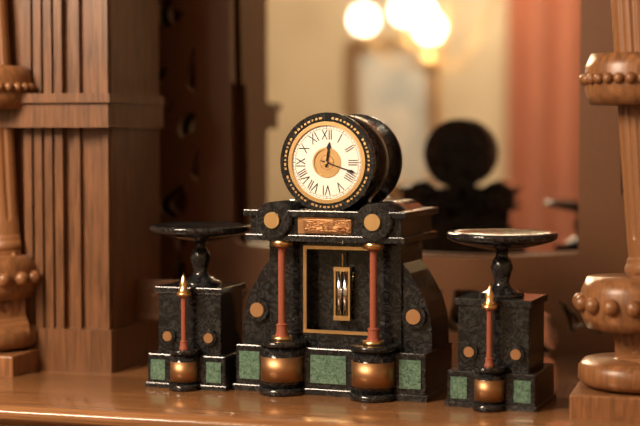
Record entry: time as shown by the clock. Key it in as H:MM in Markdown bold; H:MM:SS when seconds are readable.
**12:18**
